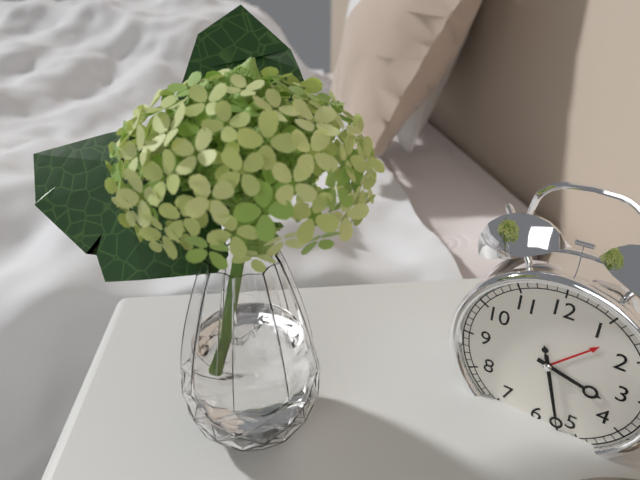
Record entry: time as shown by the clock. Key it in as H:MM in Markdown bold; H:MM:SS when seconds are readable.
**3:27:27**
